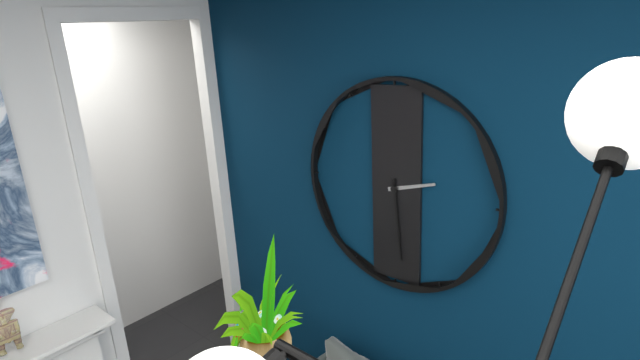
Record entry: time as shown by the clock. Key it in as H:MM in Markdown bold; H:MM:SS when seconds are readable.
**2:29**
